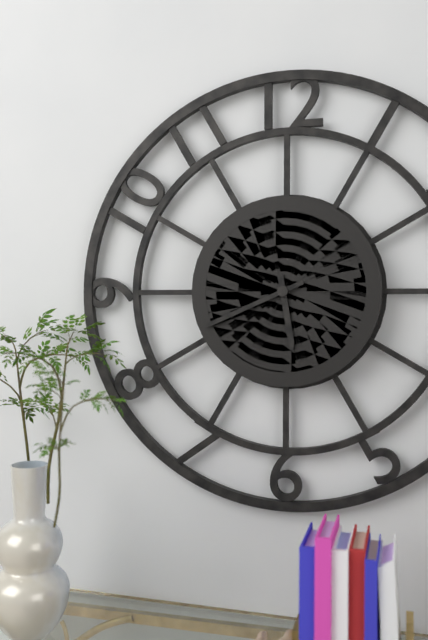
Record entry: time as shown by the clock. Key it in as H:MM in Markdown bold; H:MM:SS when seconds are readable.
**5:41**
